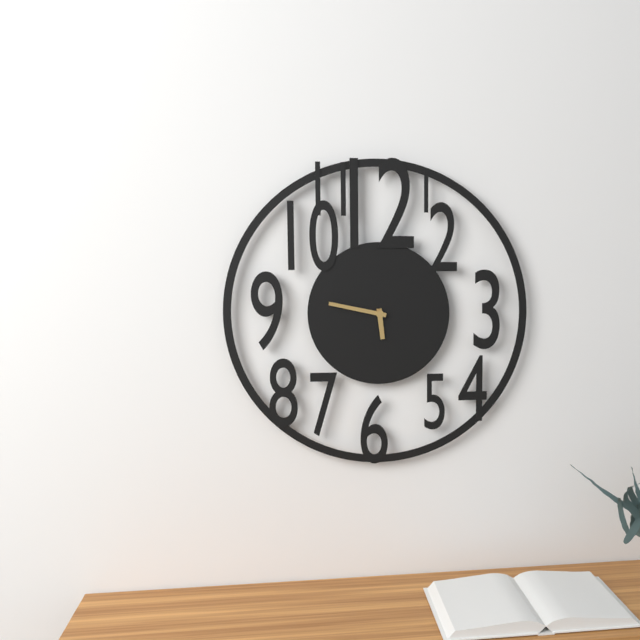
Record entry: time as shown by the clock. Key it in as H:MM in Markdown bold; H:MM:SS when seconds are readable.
**5:47**
